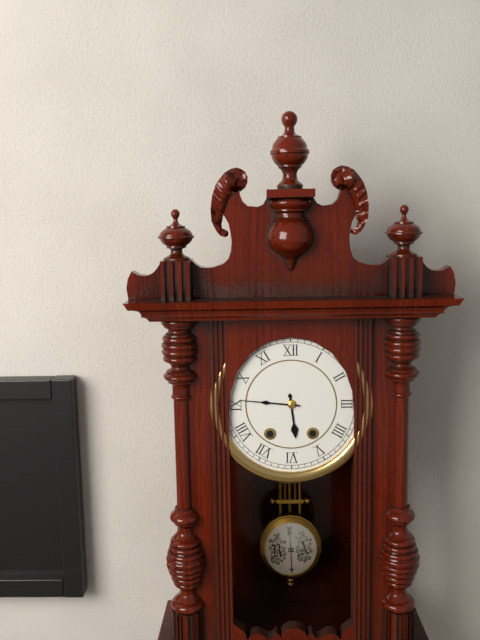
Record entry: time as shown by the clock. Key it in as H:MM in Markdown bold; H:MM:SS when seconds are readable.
**5:46**
